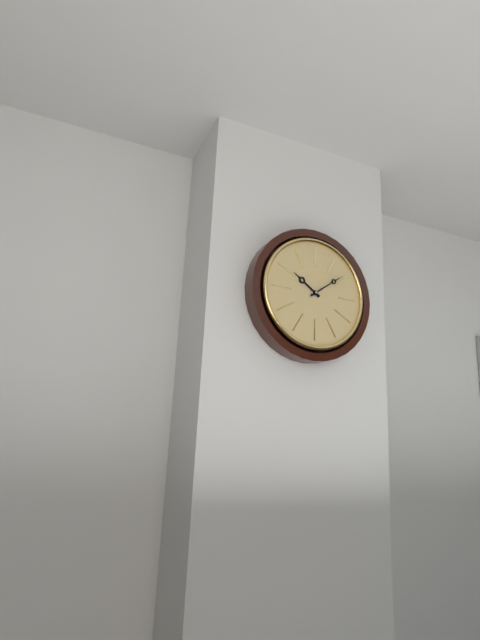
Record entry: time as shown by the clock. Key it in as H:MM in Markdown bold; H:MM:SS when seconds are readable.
**10:09**
